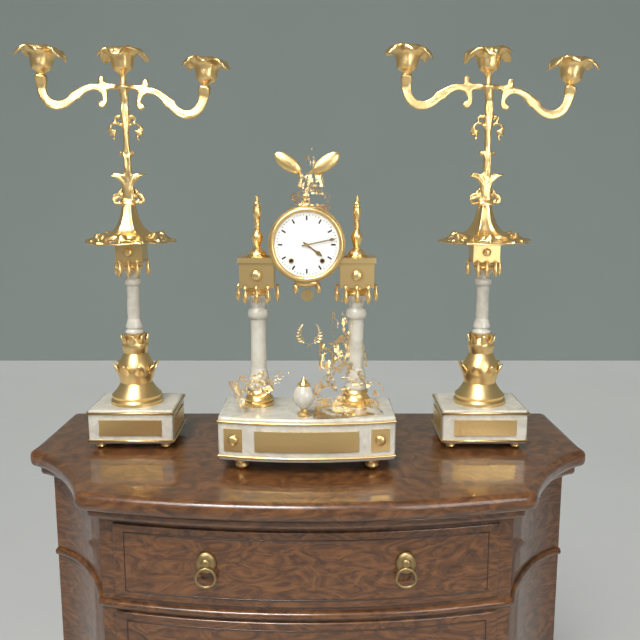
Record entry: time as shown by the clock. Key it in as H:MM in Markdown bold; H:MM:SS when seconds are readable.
**4:13**
